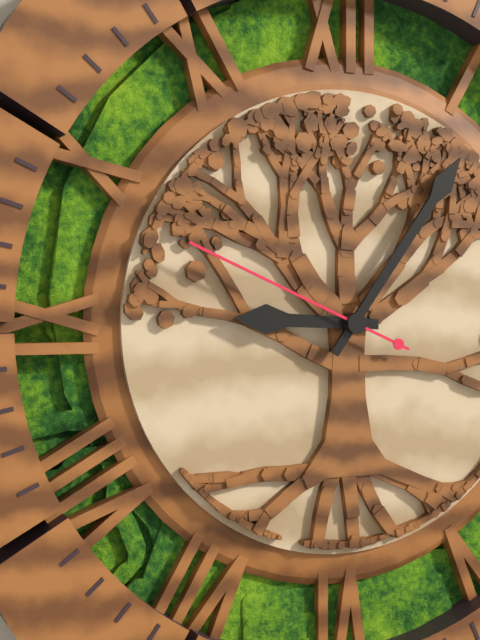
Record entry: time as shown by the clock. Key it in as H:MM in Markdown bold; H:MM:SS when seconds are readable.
**9:06:49**
